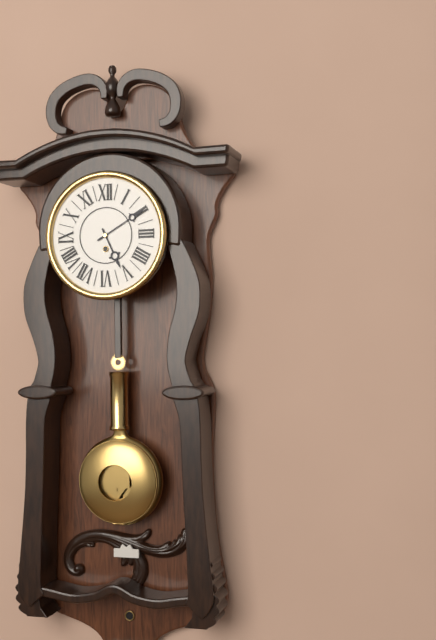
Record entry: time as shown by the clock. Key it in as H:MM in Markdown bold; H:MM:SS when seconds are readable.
**5:10**
